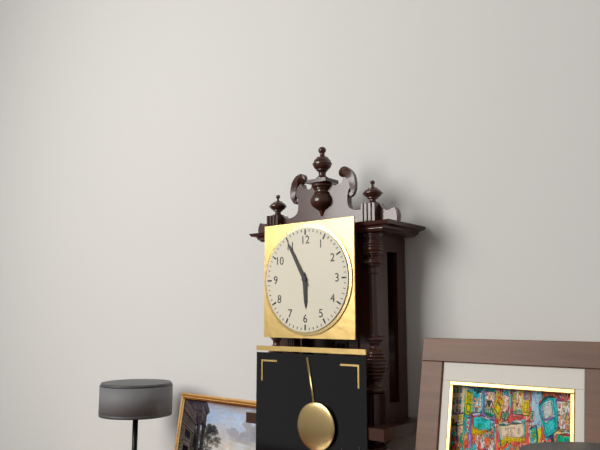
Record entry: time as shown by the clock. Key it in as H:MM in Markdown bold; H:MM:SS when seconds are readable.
**5:55**
